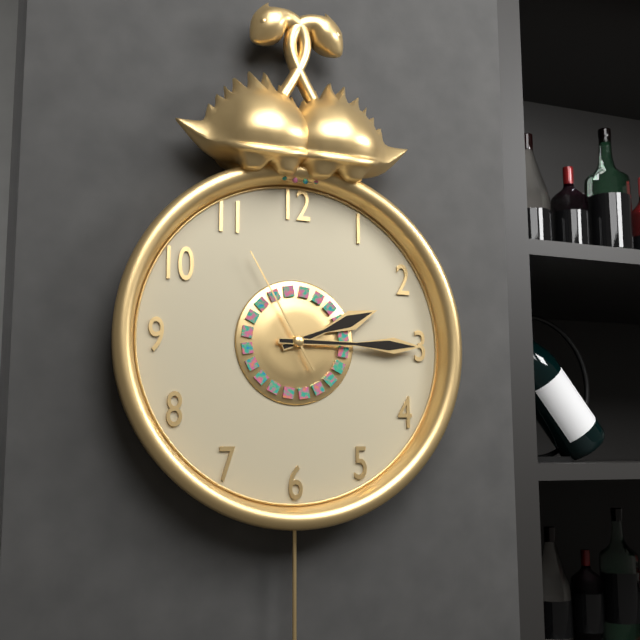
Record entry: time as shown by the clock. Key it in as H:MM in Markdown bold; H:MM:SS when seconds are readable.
**2:15:55**
